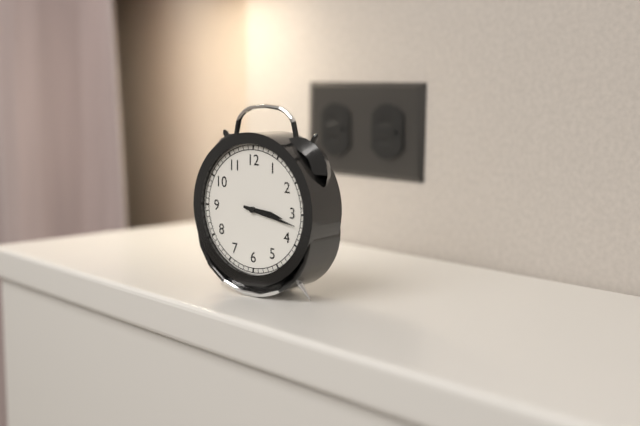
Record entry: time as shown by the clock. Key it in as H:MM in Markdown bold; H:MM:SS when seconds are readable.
**3:17**
